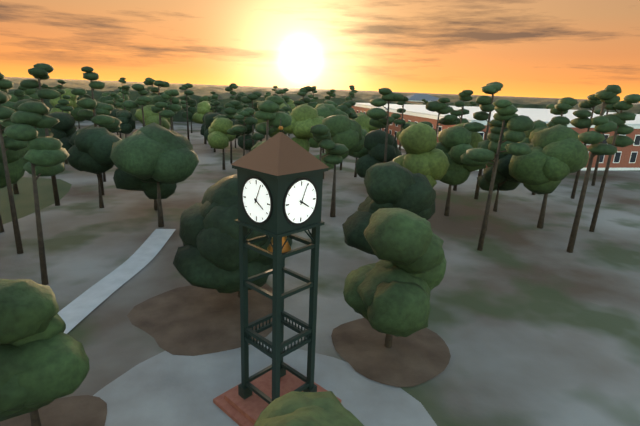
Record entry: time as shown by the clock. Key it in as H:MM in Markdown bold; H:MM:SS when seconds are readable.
**4:04**
